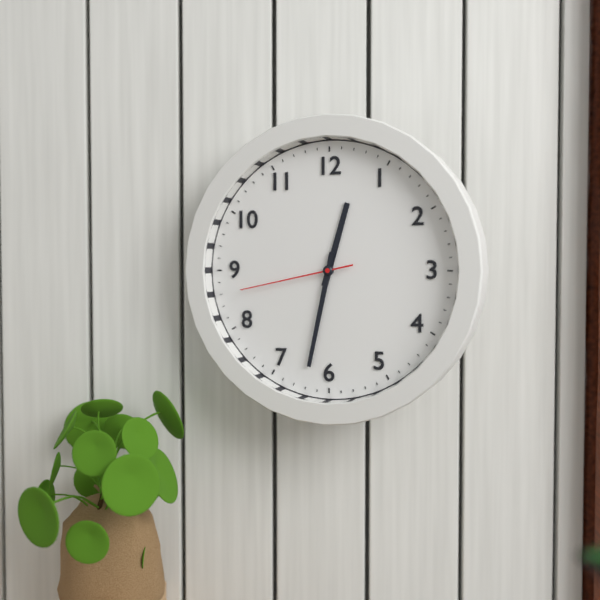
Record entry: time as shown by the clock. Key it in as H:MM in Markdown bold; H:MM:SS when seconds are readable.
**12:32:43**
